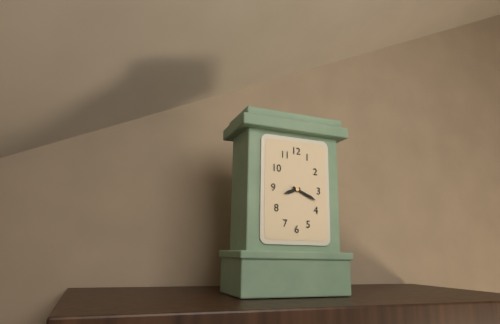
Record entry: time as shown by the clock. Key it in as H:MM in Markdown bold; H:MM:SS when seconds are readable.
**8:19**
